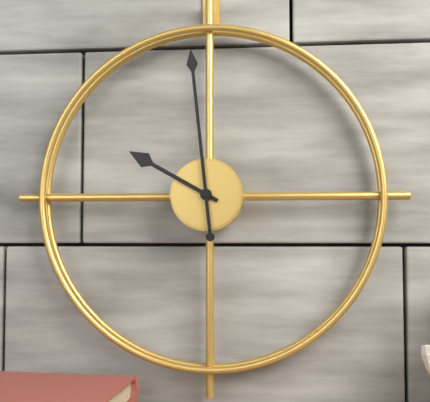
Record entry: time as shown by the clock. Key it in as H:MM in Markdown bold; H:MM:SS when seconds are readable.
**9:59**
